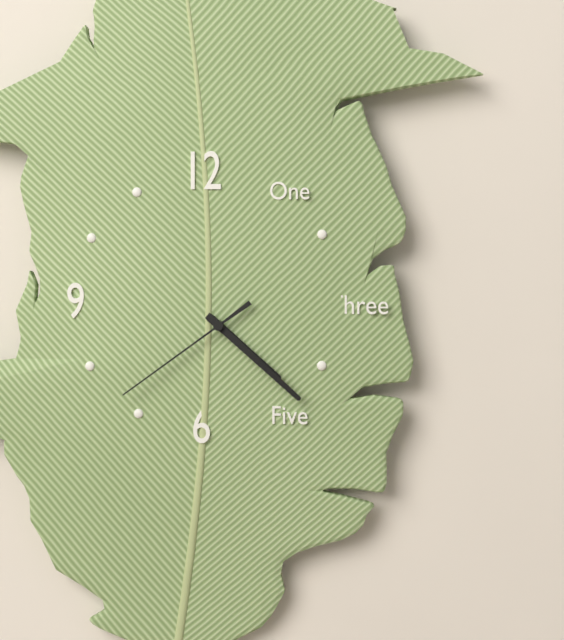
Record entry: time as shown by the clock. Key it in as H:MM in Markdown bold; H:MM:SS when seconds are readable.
**4:22:39**
